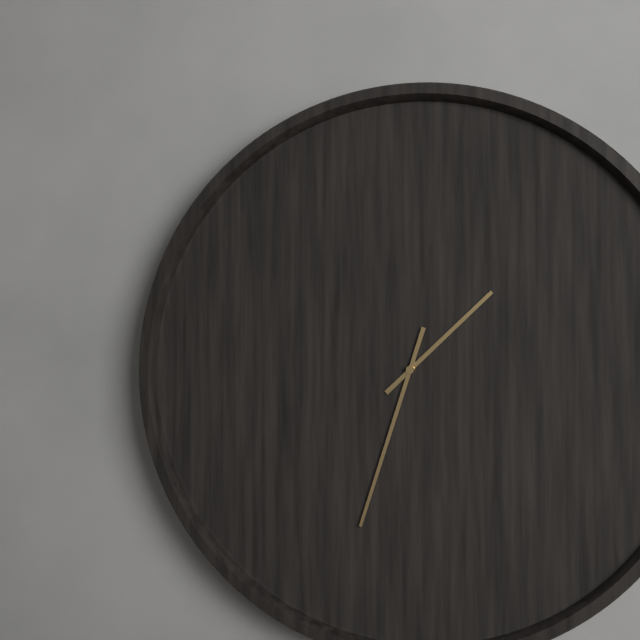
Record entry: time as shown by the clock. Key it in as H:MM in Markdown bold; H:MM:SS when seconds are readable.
**1:33**
